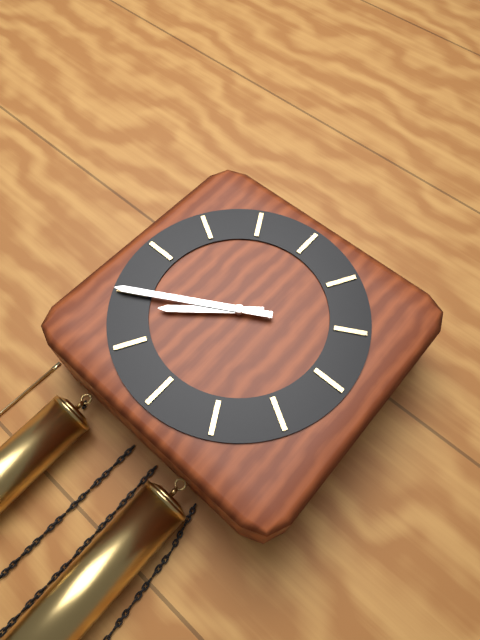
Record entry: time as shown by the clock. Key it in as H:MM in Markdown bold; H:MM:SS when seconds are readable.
**7:40**
